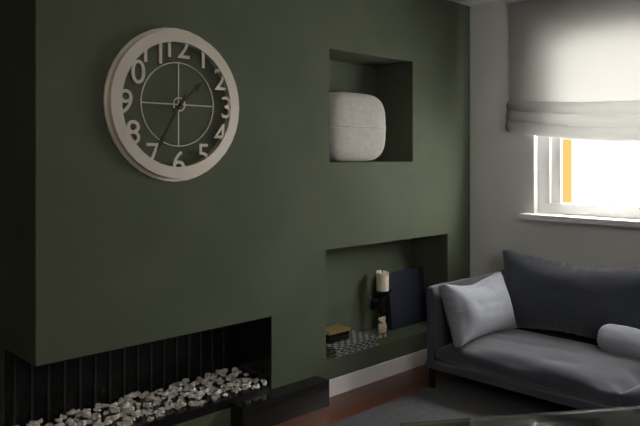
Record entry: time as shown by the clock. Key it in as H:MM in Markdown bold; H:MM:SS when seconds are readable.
**1:35**
